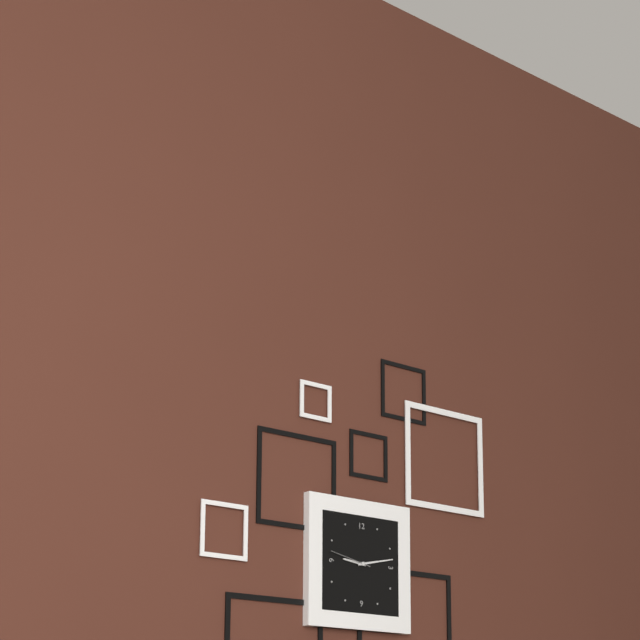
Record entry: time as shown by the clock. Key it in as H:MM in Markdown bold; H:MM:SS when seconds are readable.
**9:13**
